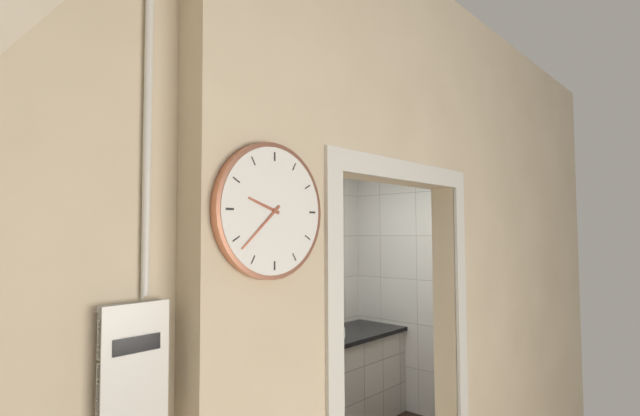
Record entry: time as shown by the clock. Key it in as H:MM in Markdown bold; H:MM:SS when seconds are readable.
**9:38**
